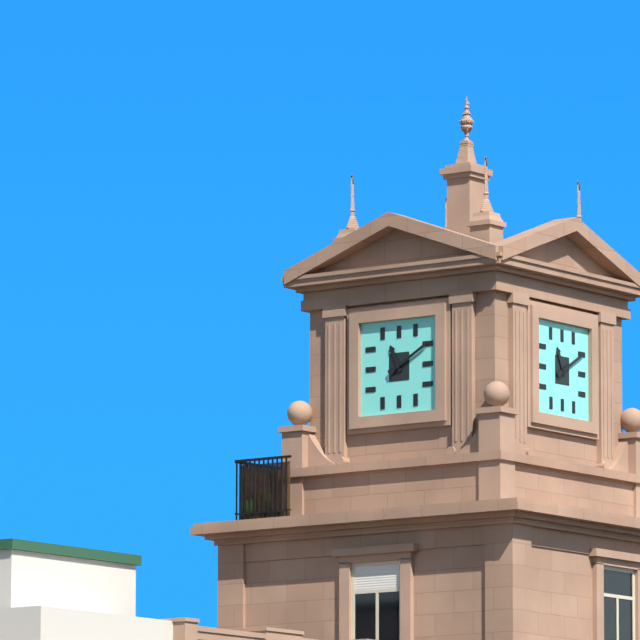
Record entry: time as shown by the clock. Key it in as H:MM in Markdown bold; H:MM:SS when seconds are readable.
**11:10**
